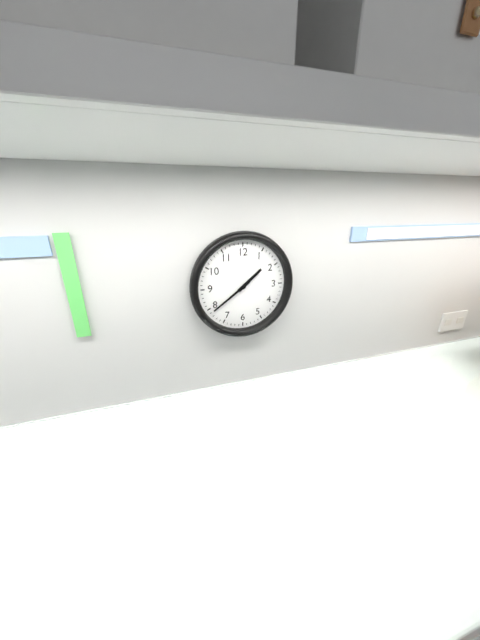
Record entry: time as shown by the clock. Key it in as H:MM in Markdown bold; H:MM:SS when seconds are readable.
**1:39**
